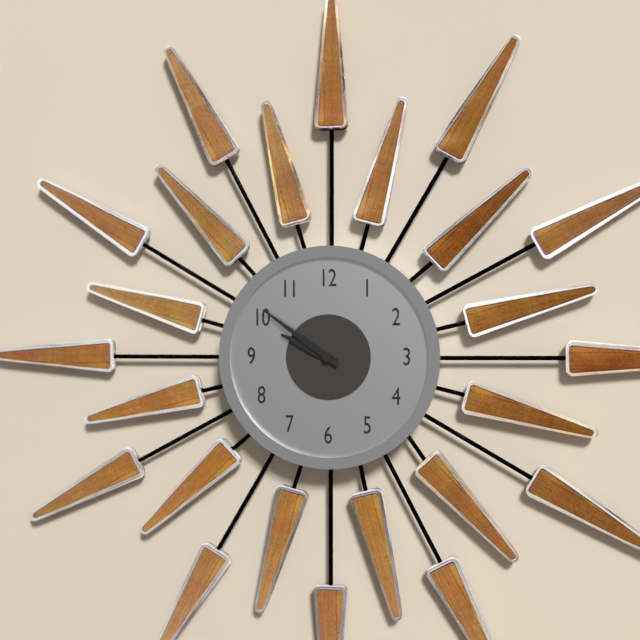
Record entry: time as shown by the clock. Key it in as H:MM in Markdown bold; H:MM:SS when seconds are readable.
**9:51**
